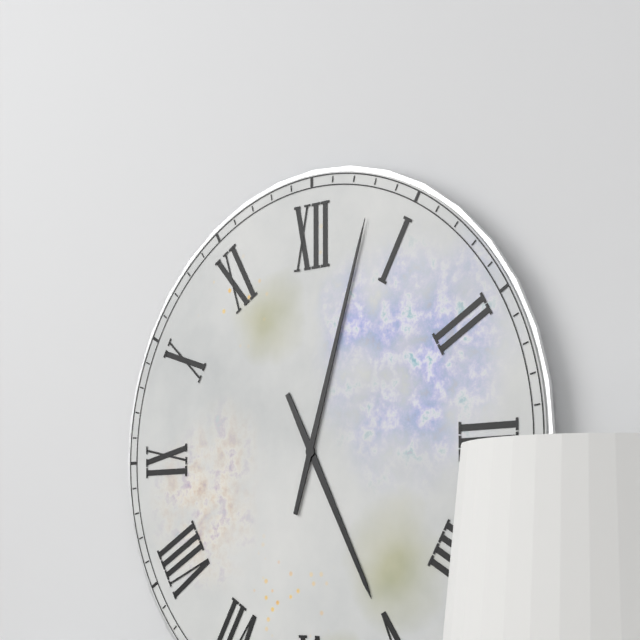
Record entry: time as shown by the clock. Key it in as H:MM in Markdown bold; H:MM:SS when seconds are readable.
**5:03**
